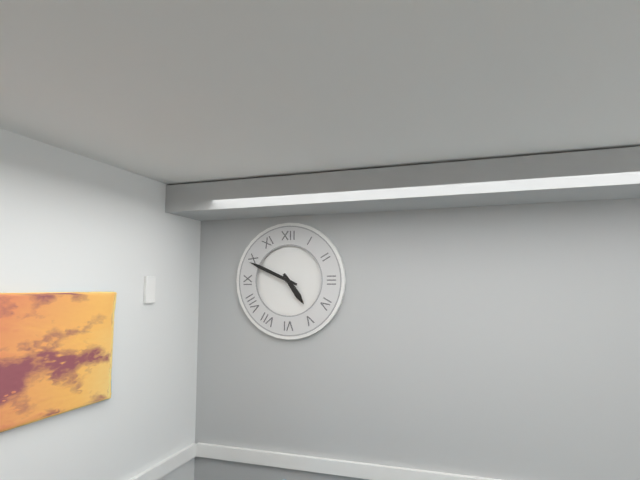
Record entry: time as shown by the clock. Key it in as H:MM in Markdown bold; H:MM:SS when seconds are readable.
**4:49**
